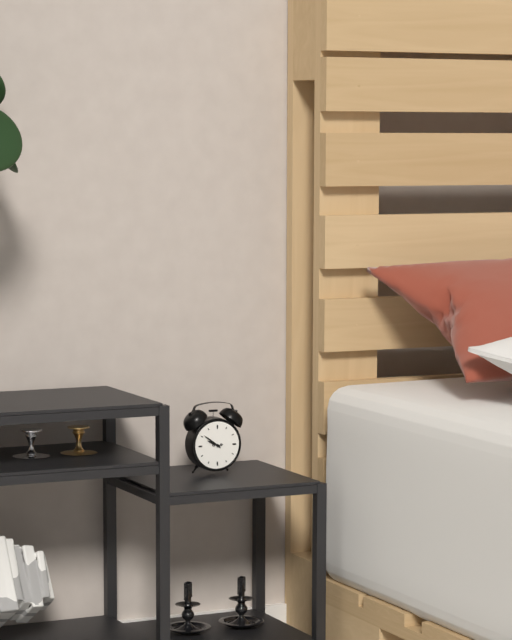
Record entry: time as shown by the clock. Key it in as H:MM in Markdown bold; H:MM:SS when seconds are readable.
**9:51**
